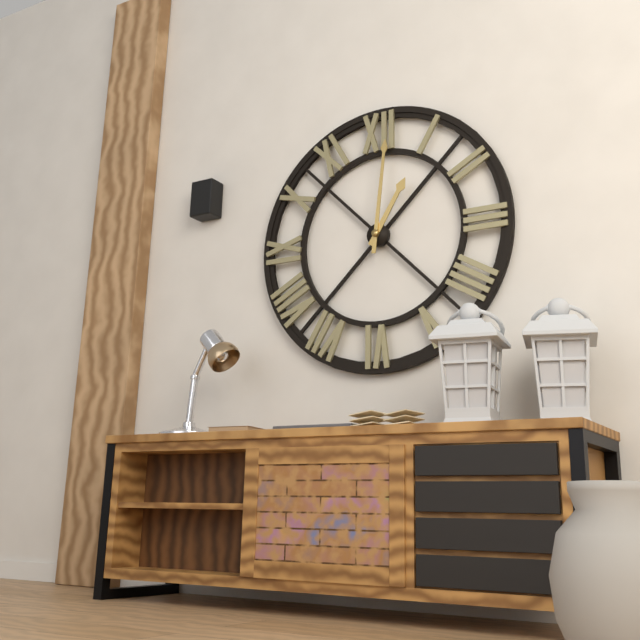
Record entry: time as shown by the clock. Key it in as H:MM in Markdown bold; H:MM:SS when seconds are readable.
**1:01**
